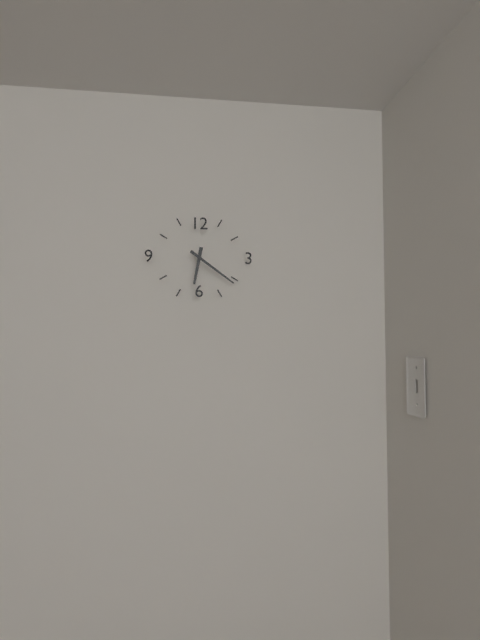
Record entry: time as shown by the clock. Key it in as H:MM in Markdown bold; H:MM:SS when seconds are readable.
**6:21**
